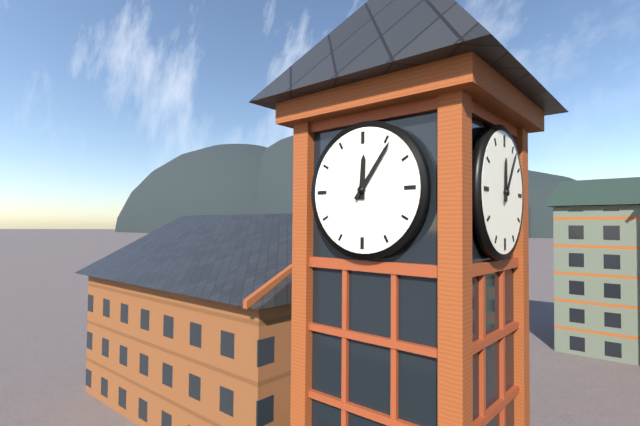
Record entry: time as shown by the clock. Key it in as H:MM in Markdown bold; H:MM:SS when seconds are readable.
**12:06**
